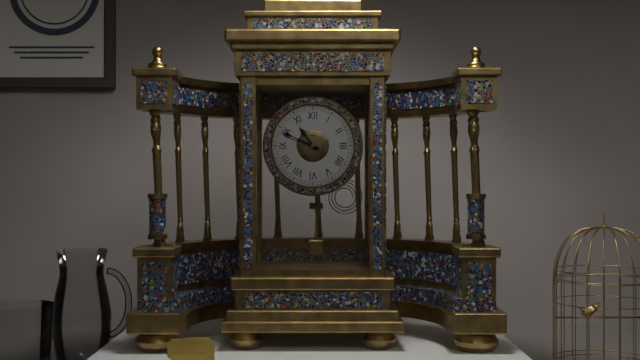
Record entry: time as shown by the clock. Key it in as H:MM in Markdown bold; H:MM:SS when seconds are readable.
**10:49**
